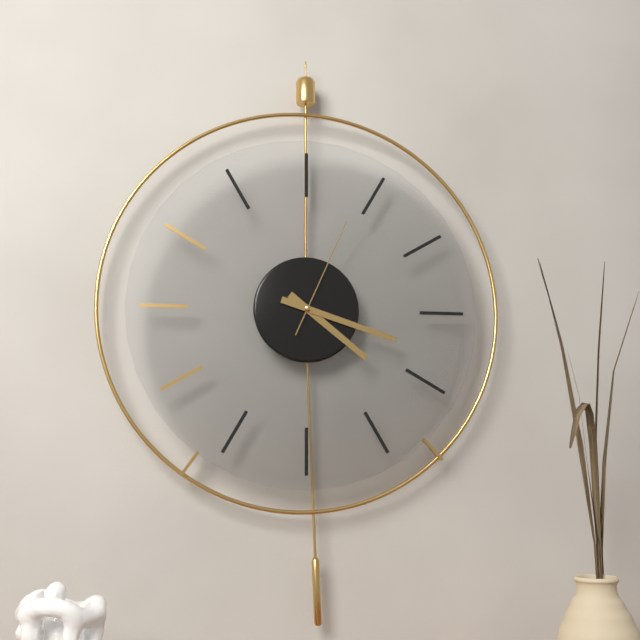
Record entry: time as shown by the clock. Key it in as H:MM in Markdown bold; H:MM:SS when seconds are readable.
**4:18:04**
